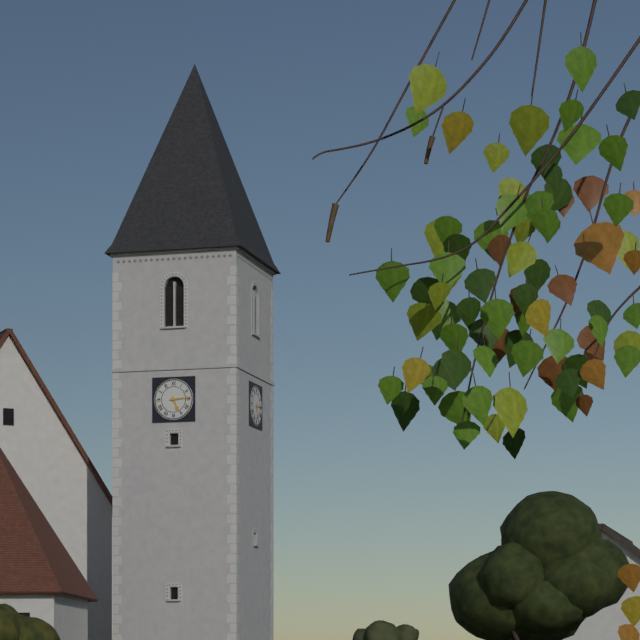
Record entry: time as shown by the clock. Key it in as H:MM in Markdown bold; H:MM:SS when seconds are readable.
**5:14**
